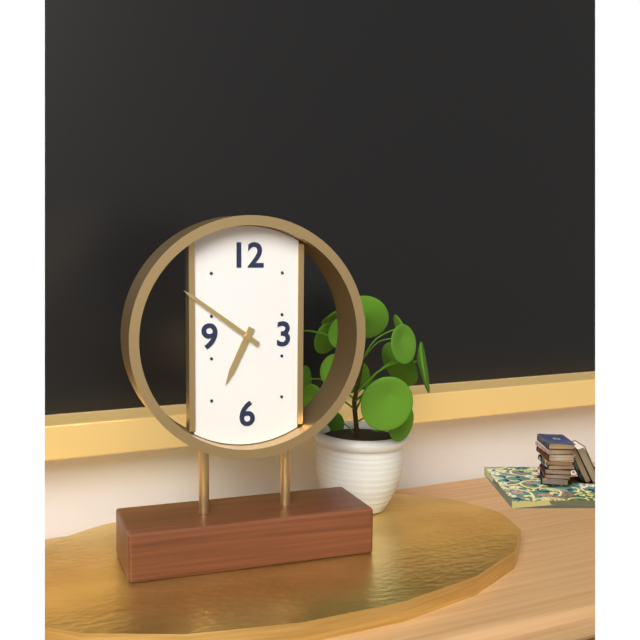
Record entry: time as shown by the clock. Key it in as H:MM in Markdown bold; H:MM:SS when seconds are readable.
**6:51**
